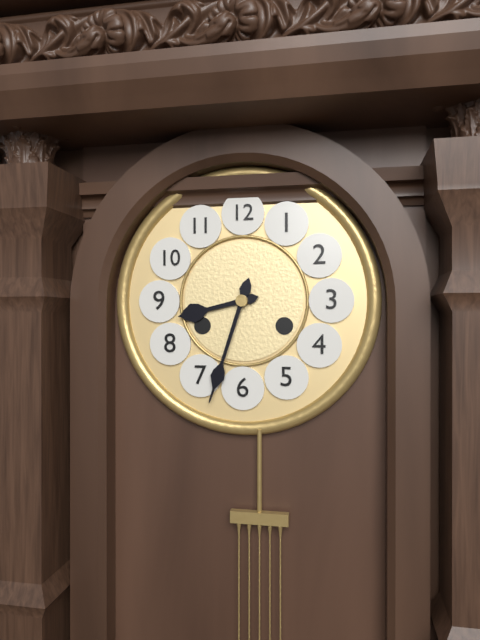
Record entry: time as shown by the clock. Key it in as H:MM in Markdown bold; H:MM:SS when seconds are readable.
**8:33**
